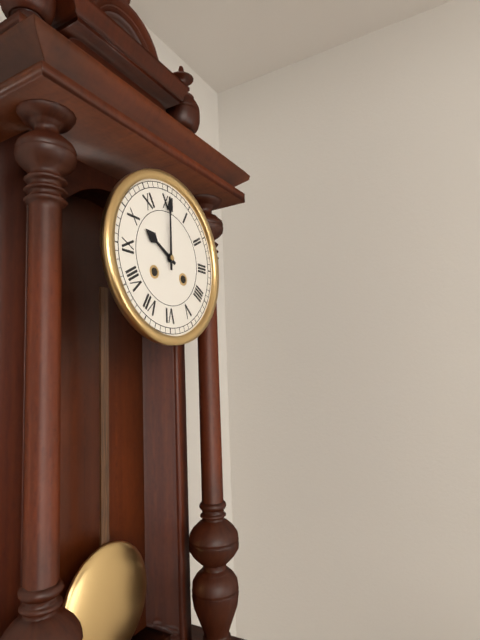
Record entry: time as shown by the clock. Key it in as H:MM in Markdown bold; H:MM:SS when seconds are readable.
**10:00**
